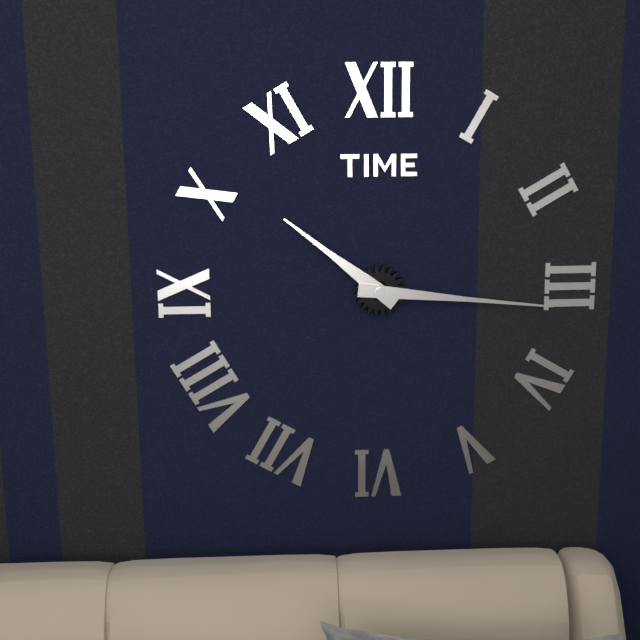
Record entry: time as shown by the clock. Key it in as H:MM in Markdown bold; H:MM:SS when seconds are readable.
**10:16**
